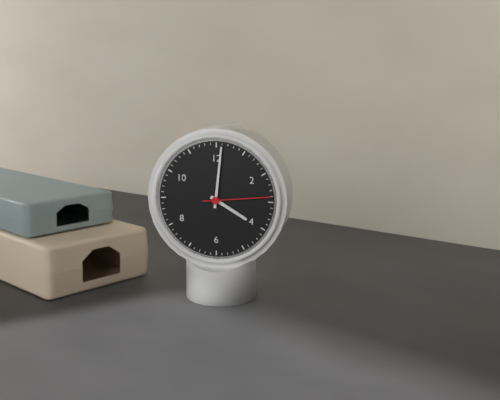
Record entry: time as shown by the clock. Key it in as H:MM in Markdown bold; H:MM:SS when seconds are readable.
**4:01:14**
